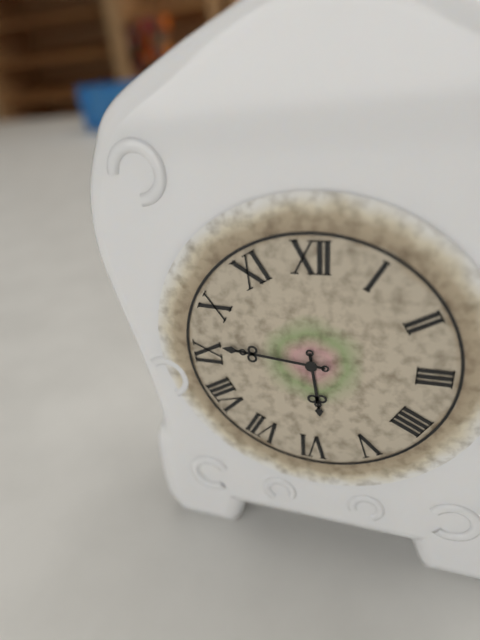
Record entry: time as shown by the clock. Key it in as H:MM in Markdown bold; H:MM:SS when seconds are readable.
**5:46**
